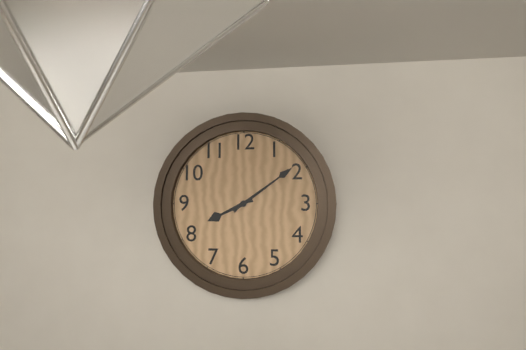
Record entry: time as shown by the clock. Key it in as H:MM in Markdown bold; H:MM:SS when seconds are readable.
**8:09**
